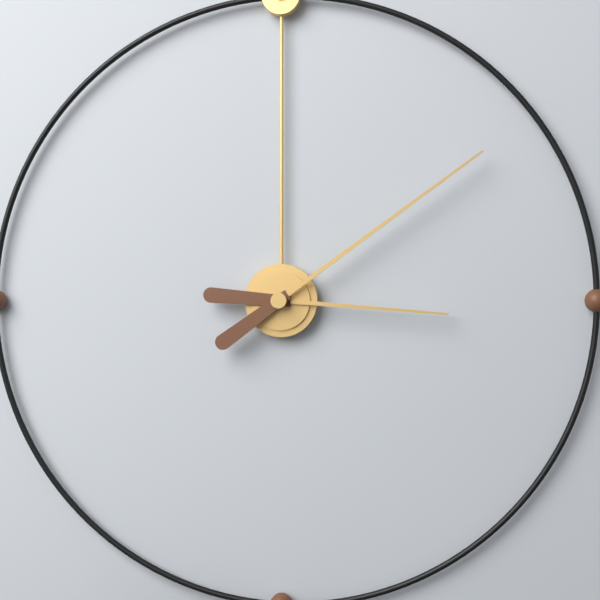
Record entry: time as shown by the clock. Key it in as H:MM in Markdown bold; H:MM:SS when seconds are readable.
**3:09**
